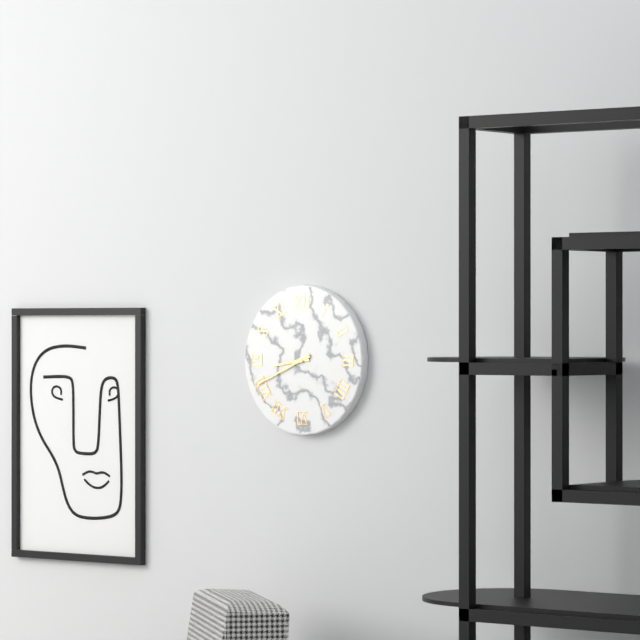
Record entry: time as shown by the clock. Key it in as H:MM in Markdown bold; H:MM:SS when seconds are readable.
**8:41**
